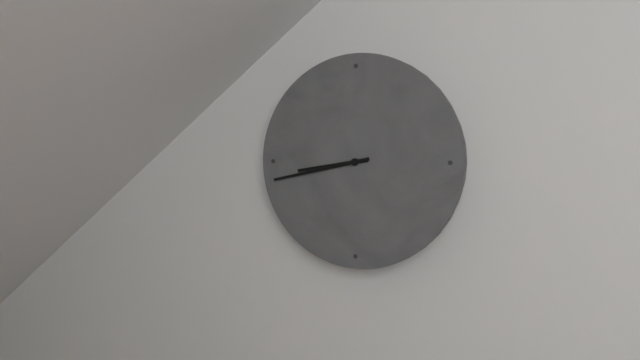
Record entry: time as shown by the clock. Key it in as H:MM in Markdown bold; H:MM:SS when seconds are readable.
**8:43**
